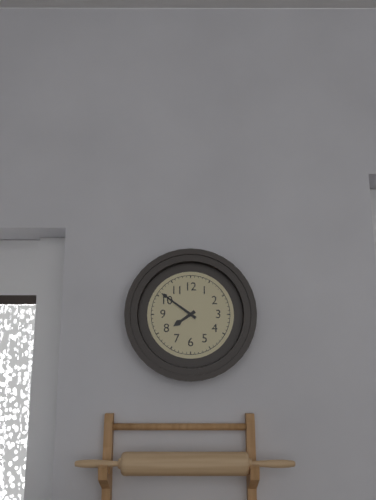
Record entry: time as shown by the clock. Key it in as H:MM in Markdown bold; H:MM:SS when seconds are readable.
**7:51**
